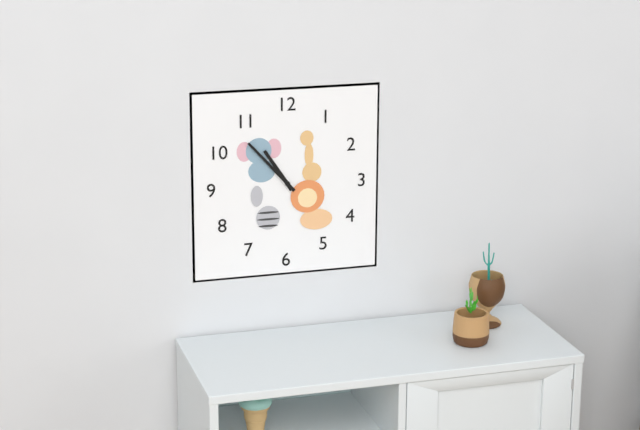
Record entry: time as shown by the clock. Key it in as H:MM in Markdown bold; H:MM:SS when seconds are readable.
**10:53**
